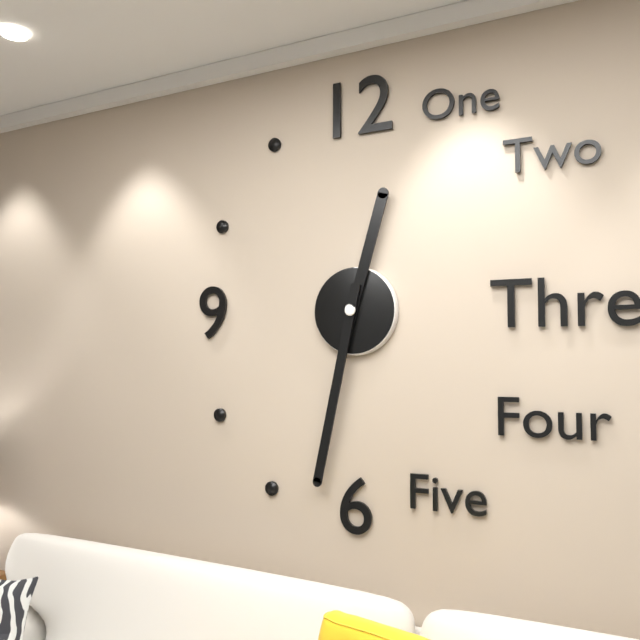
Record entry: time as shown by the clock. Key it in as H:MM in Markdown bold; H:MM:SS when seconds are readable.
**12:32**
